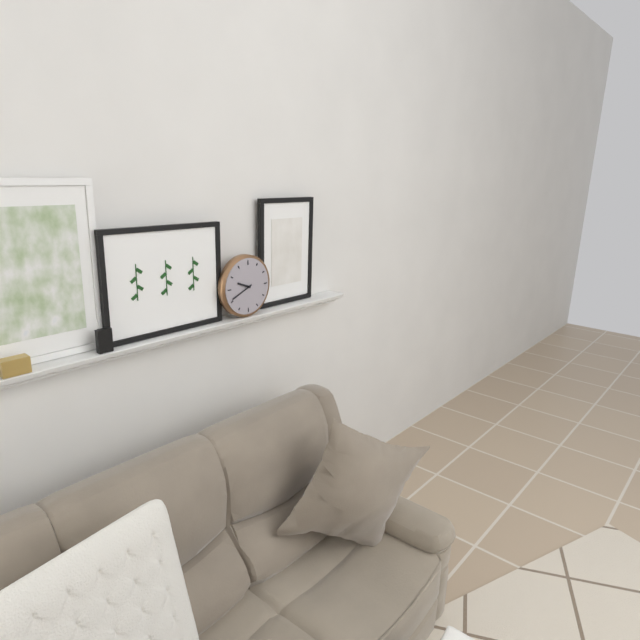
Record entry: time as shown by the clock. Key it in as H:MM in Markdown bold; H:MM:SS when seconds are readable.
**9:41**
